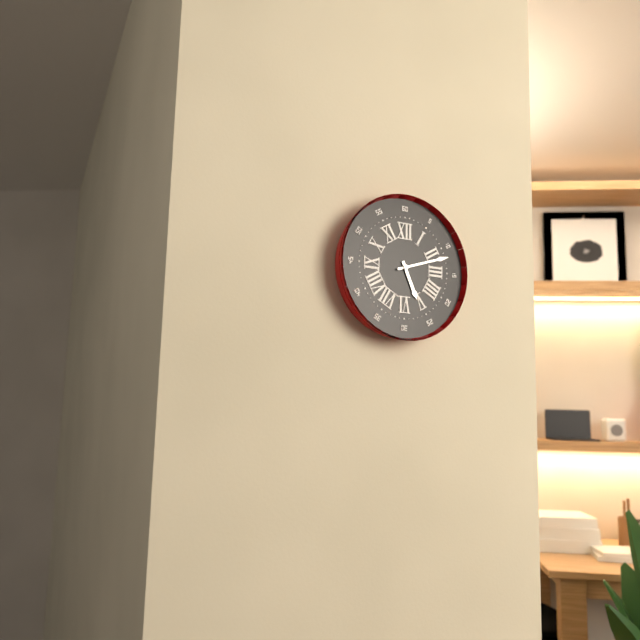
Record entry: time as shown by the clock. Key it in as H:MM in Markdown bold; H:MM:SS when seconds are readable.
**5:12**
